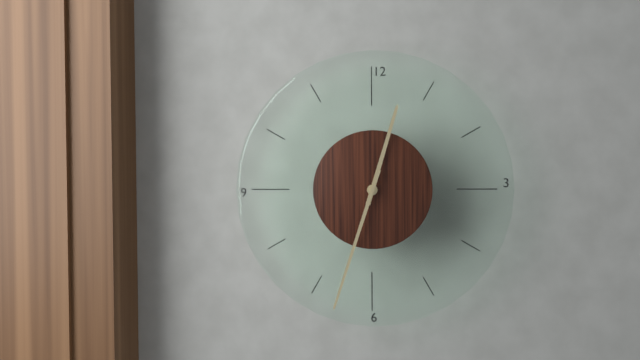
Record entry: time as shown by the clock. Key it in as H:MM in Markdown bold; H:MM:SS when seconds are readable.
**12:33**
